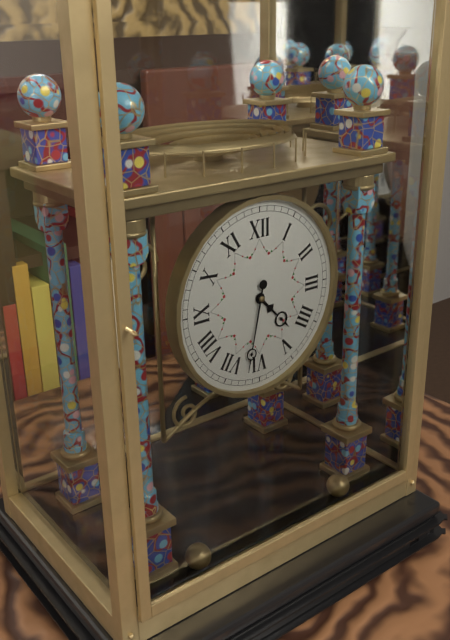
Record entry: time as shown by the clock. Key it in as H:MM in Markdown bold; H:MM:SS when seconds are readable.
**4:32**
